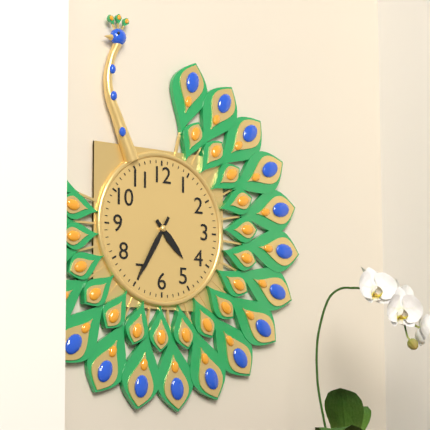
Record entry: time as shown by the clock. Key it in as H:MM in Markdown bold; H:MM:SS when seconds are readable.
**4:35**
